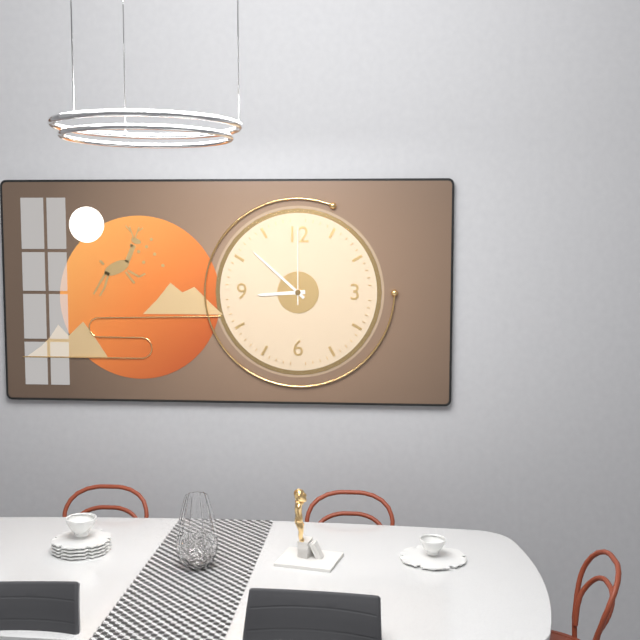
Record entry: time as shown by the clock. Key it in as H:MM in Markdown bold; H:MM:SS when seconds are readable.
**8:52:00**
